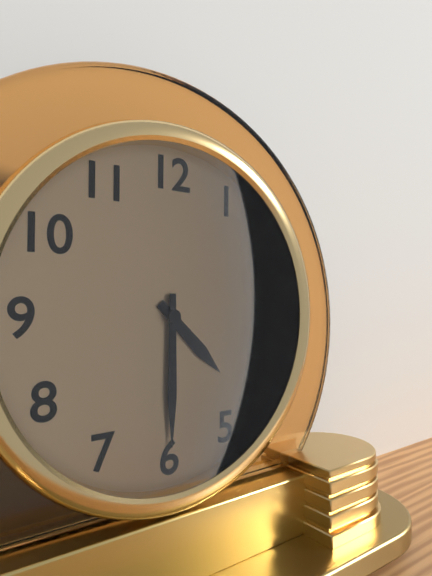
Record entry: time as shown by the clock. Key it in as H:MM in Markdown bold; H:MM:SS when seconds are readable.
**4:30**
